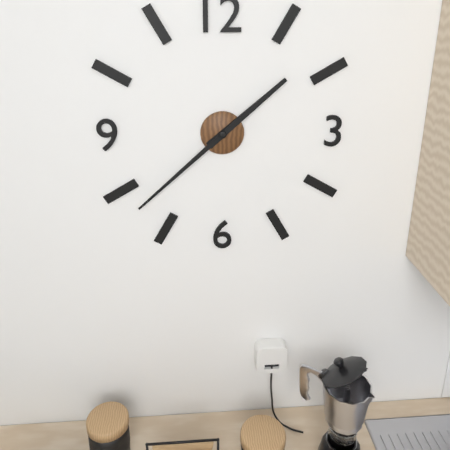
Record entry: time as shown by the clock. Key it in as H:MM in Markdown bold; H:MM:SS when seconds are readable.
**1:38**
